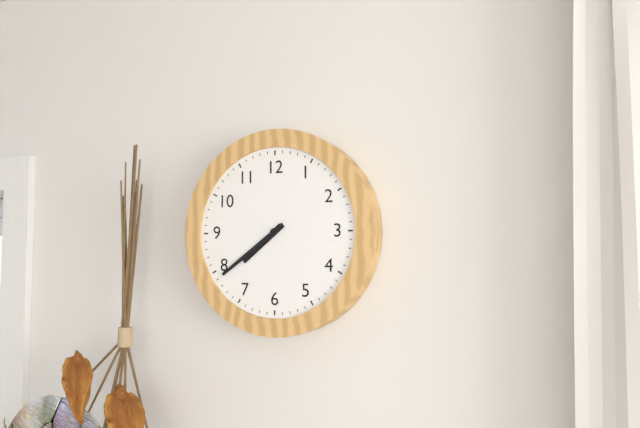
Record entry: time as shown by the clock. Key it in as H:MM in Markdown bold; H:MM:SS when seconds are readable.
**7:39**
